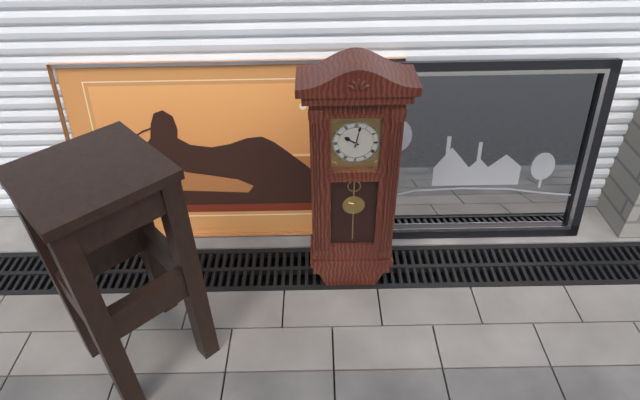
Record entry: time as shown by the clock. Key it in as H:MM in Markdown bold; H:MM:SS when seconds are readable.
**10:02**
